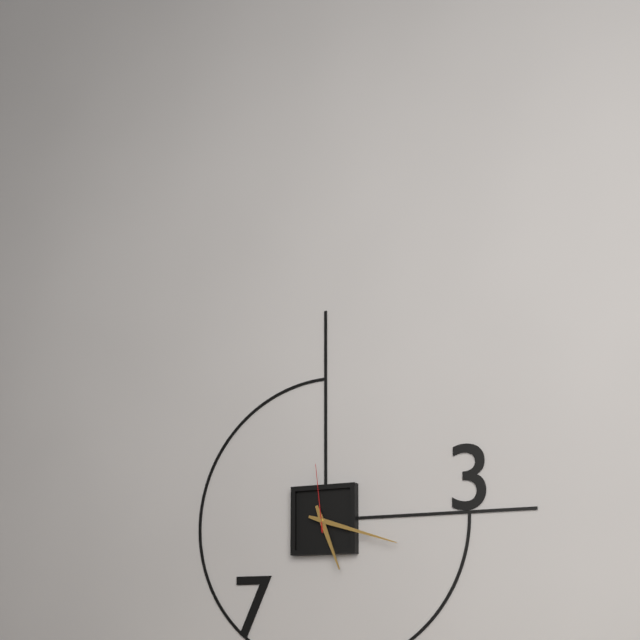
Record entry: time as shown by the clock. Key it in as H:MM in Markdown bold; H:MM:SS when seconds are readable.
**5:18:59**
